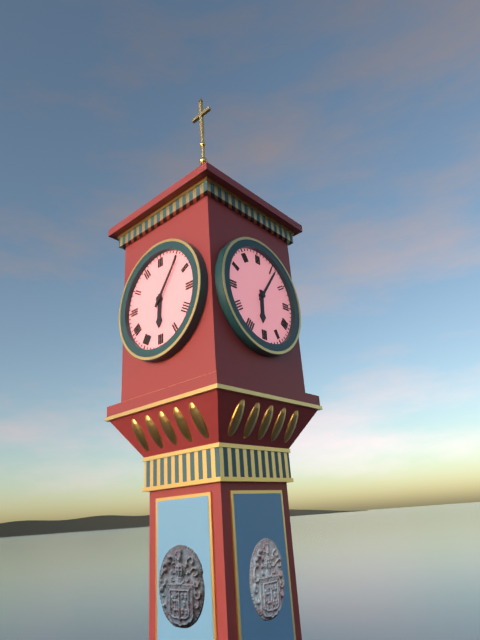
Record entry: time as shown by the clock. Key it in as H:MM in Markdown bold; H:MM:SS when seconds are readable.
**6:06**
